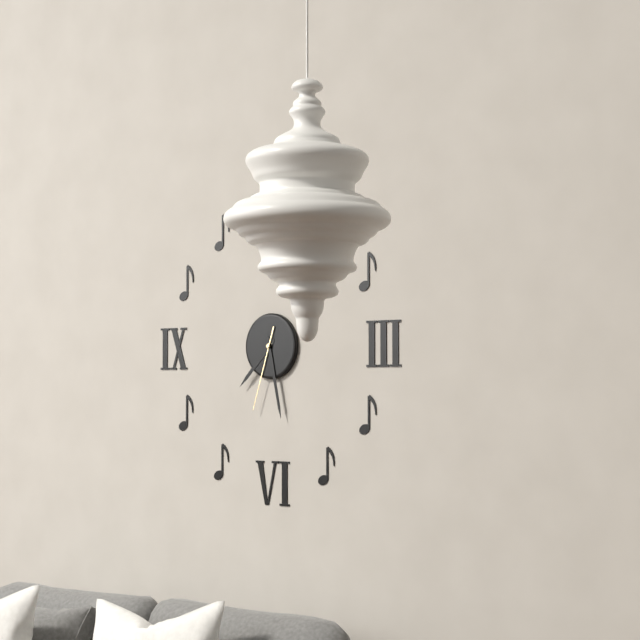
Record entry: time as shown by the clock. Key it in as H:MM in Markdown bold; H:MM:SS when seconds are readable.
**7:28:33**
